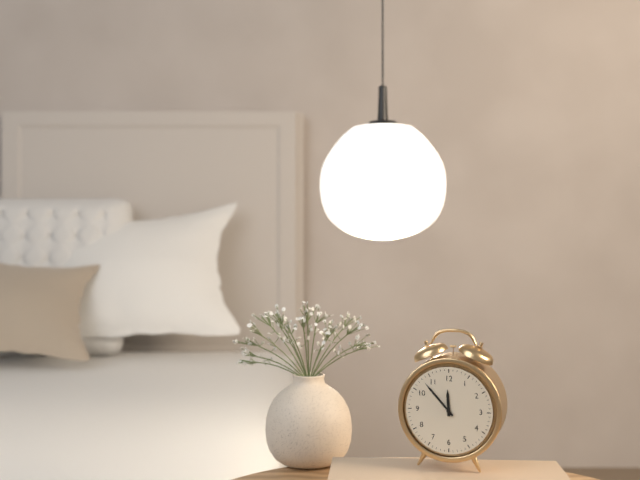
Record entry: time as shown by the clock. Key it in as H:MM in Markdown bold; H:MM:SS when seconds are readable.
**11:53**
